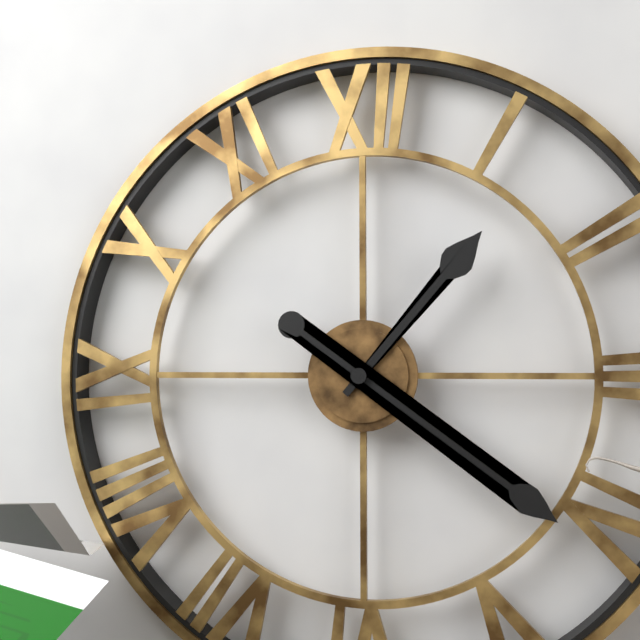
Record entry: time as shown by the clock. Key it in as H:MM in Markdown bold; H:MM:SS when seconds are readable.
**1:21**
